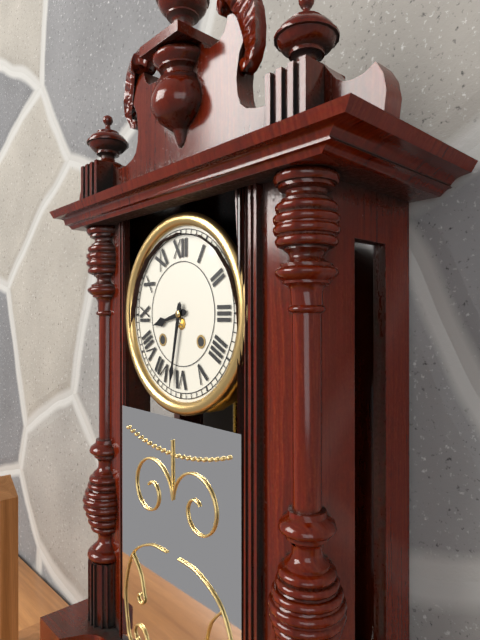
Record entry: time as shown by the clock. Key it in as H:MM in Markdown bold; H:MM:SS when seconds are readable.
**8:32**
